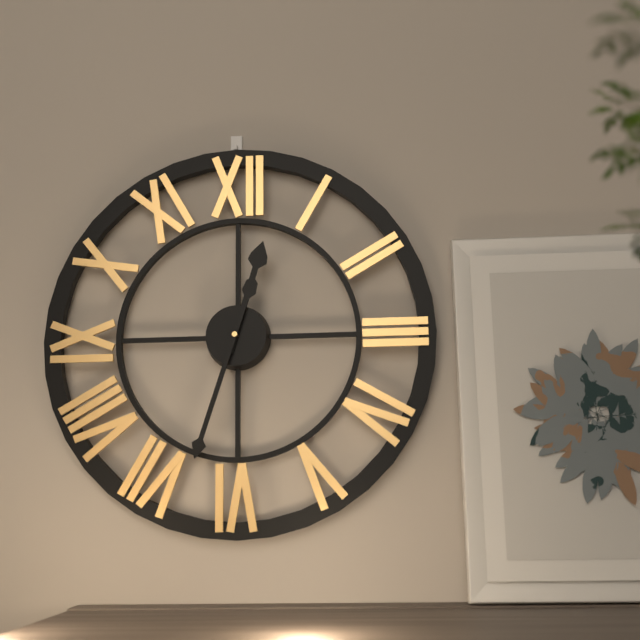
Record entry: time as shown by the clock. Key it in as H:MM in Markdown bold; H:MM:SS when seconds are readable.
**12:33**
